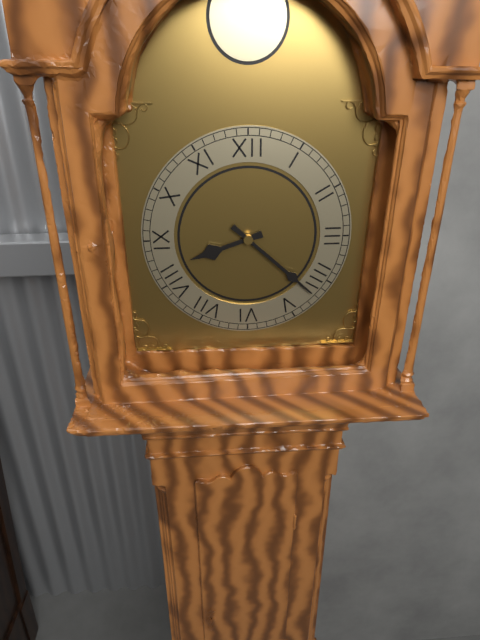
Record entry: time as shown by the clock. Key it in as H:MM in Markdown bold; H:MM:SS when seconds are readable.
**8:22**
